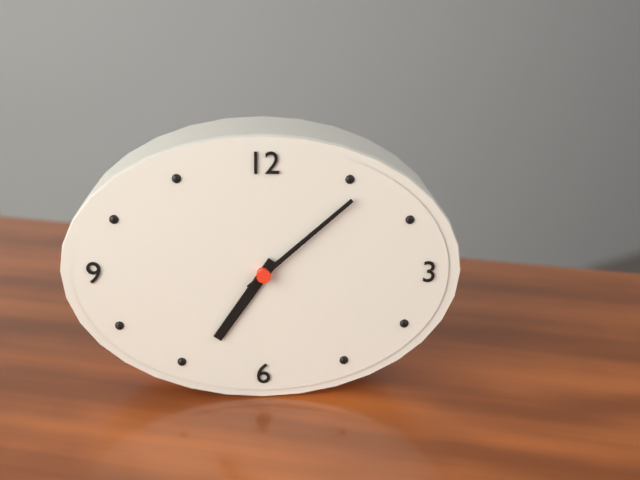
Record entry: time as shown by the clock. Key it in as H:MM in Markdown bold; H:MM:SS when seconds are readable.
**7:08**
